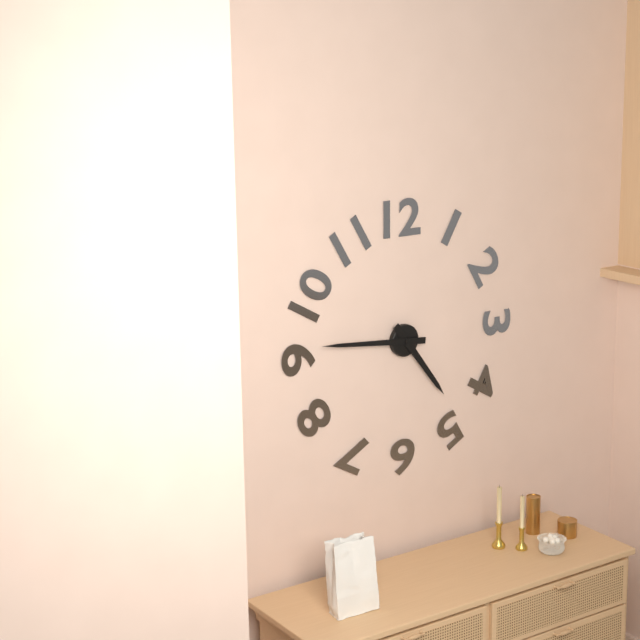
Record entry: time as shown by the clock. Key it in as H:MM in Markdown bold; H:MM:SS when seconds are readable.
**4:46**
